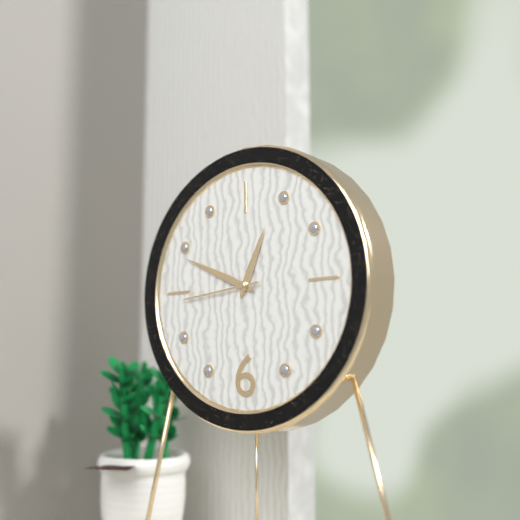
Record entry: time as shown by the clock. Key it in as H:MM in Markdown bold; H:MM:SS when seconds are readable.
**12:49:44**
